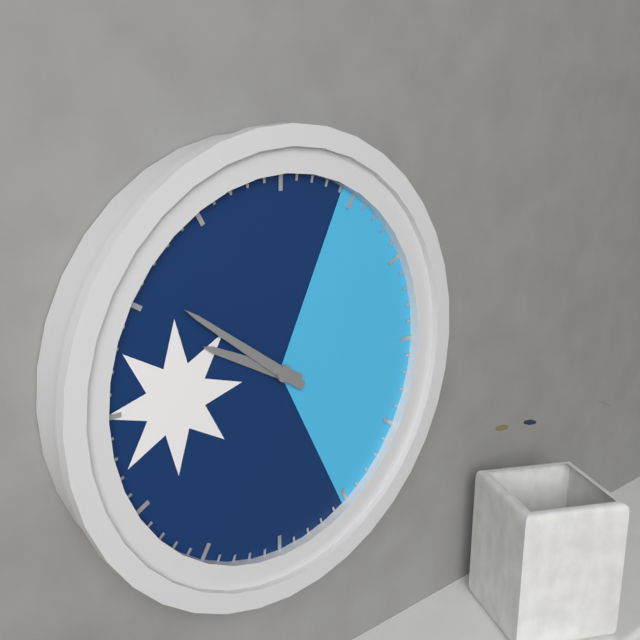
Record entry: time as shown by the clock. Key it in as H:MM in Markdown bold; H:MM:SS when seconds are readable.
**9:51**
